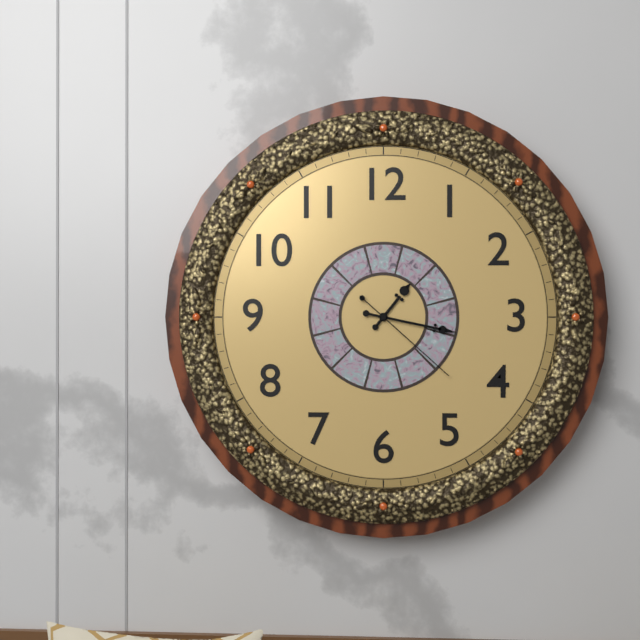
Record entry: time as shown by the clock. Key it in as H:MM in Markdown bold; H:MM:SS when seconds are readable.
**1:17:22**
